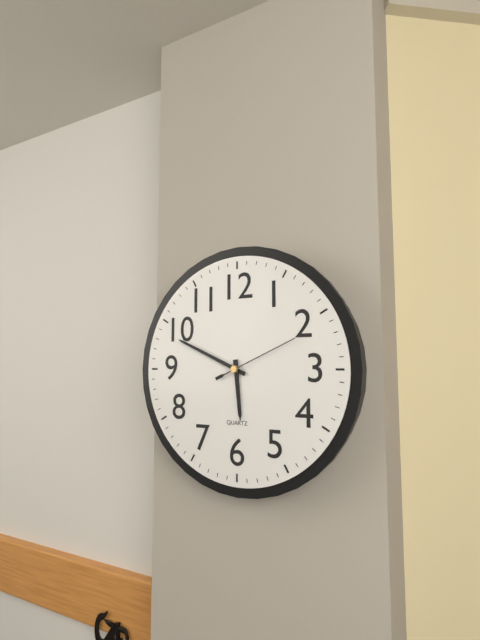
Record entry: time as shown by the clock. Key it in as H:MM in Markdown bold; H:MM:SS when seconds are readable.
**5:49:11**
